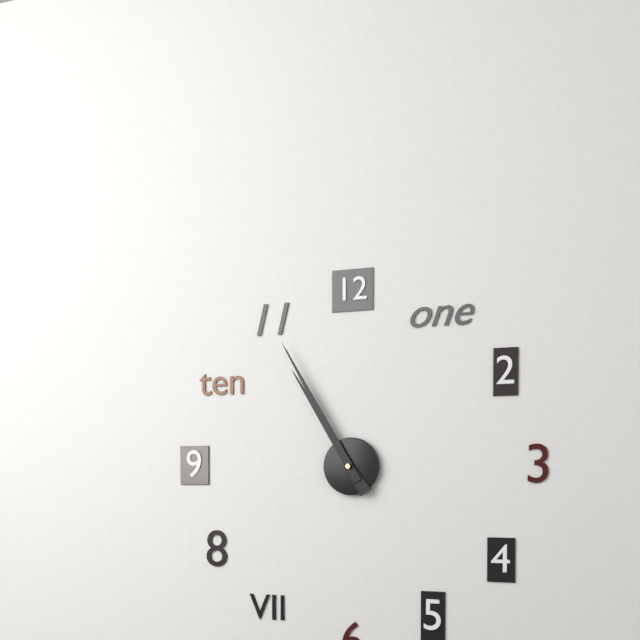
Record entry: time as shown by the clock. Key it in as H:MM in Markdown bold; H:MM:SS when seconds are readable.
**10:55**
